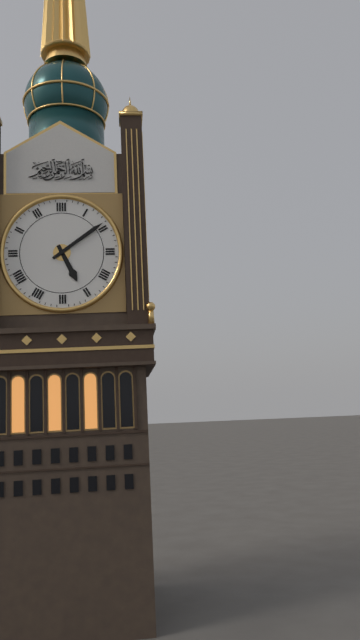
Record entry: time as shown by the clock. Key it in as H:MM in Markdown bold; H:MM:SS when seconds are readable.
**5:09**
